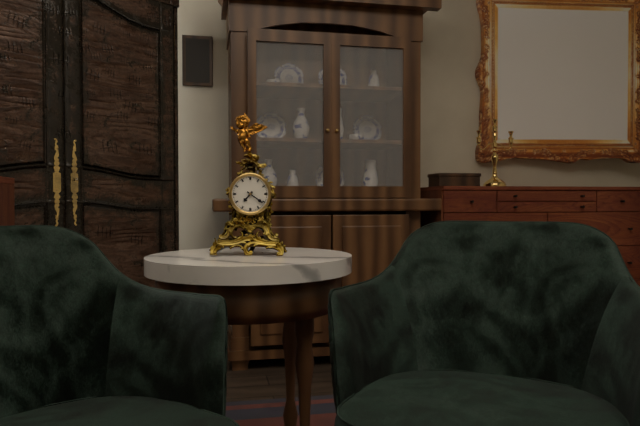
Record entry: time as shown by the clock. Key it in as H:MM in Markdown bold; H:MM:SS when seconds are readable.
**7:21**
